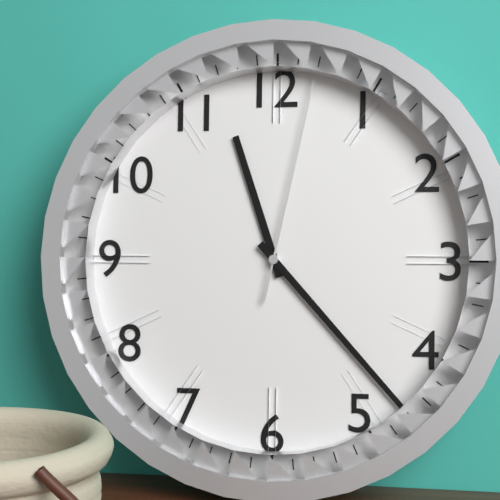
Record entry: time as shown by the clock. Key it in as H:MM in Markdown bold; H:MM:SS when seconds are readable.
**11:23:02**
